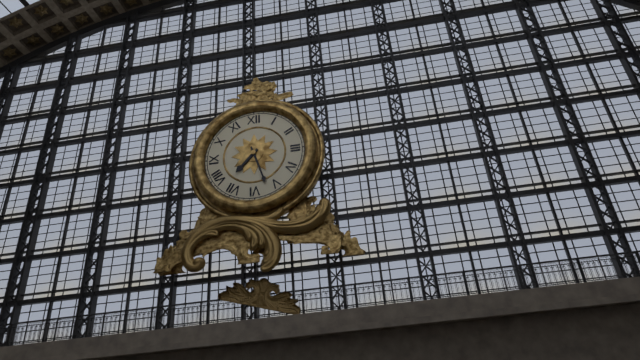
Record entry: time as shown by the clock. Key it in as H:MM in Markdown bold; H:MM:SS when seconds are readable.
**7:27**
